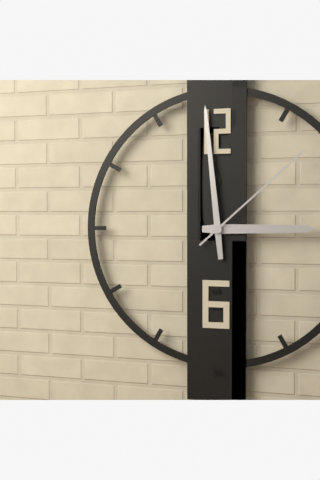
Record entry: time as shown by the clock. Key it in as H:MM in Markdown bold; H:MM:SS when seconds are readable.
**2:59:08**
